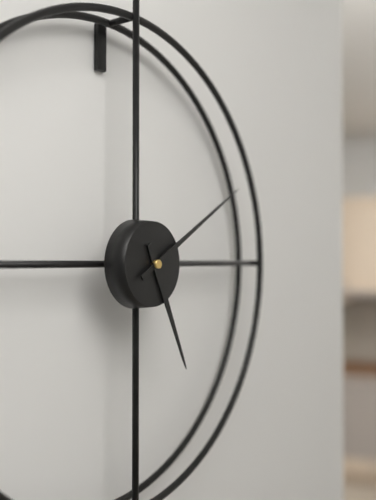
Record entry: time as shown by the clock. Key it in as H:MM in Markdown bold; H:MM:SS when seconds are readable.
**5:10**
